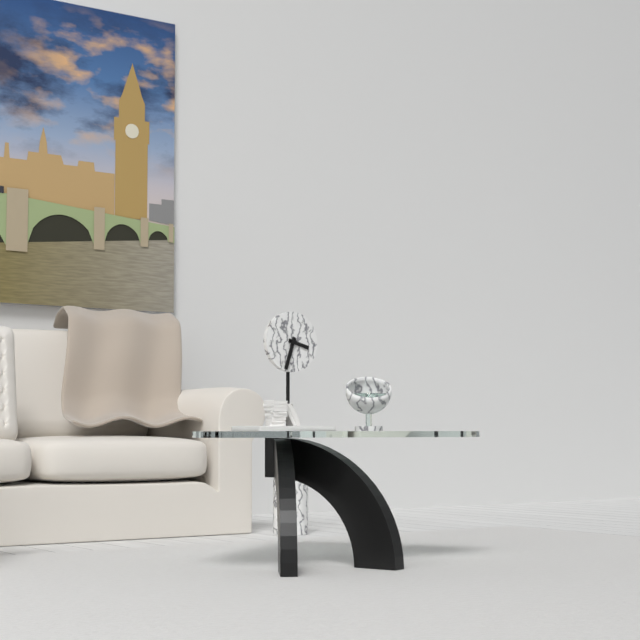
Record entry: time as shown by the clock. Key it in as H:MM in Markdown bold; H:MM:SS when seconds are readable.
**3:33**
